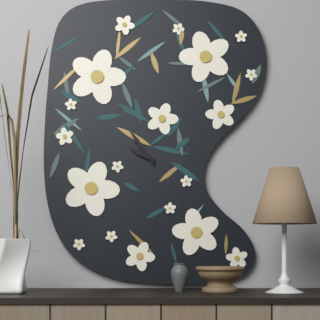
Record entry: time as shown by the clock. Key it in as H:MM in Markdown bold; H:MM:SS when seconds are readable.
**9:54**
